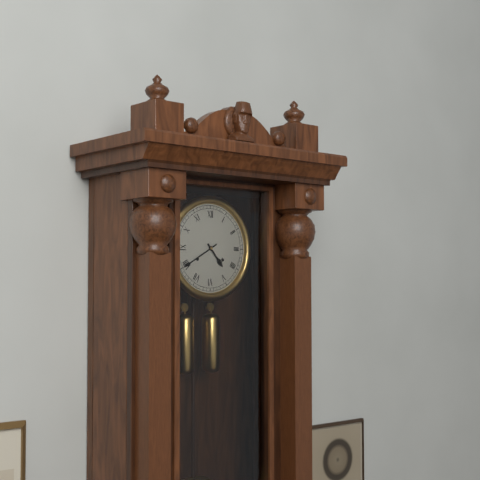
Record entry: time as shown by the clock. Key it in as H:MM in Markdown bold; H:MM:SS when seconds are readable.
**4:40**
